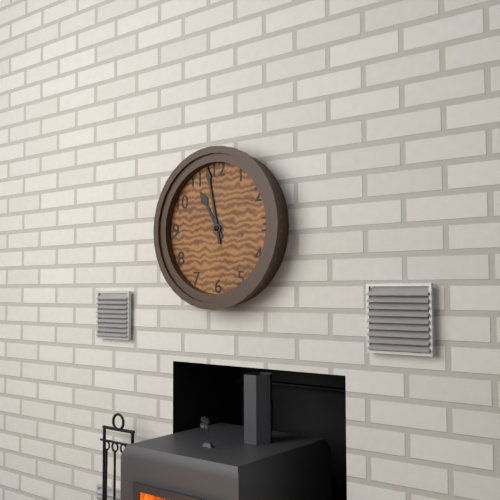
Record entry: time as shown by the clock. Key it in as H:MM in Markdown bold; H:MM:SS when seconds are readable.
**10:58**
